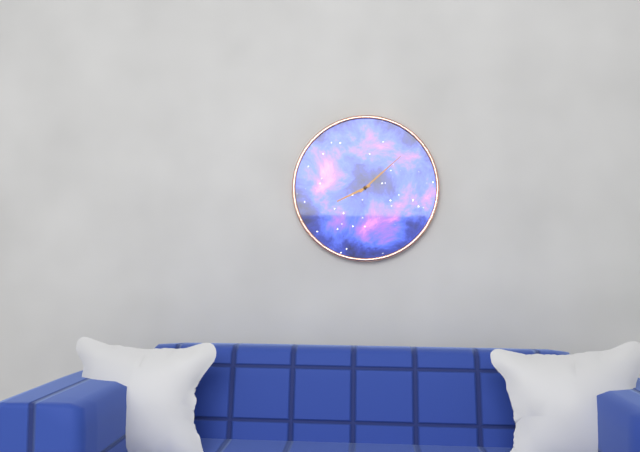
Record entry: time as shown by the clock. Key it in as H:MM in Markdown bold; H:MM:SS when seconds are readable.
**8:08**
